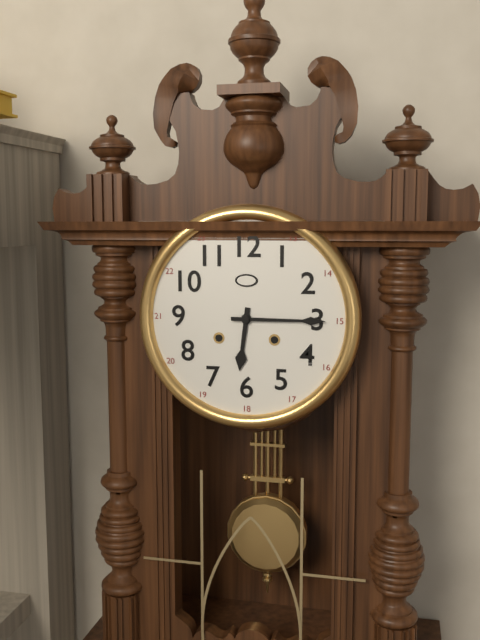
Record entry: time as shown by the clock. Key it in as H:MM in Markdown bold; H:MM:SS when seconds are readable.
**6:15**
